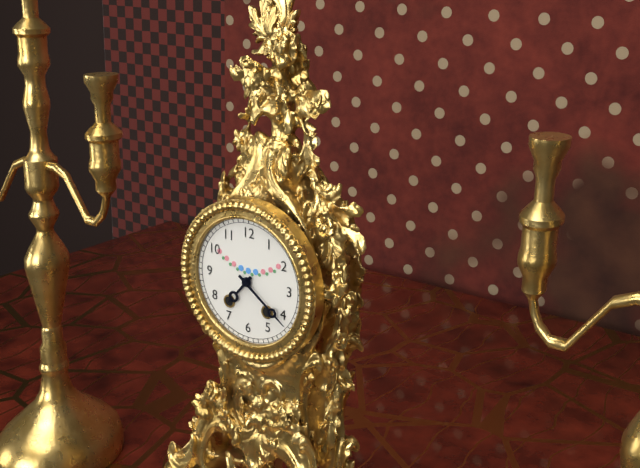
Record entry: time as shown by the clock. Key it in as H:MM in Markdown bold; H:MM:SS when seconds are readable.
**7:21**
